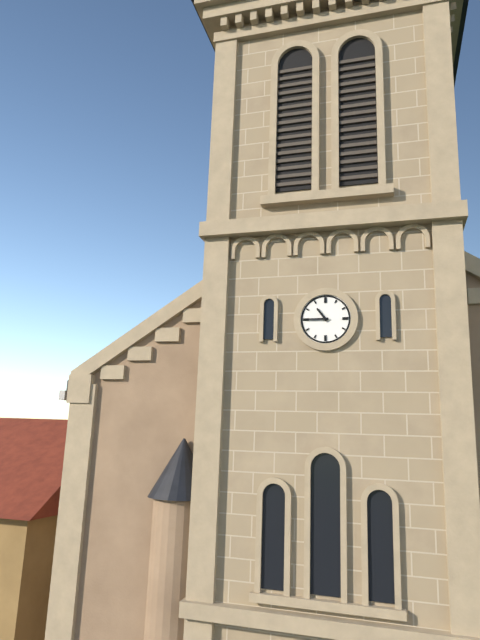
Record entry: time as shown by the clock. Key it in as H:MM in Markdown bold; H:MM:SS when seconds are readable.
**10:45**
